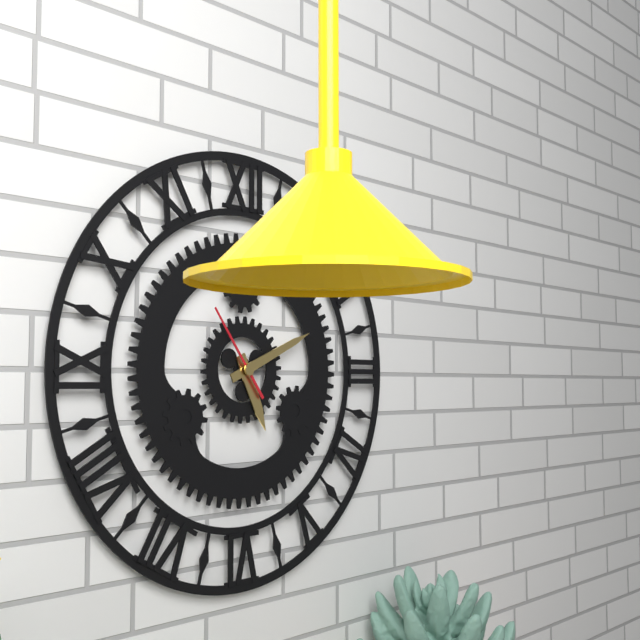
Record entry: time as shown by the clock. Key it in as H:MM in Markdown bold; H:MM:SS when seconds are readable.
**5:11:54**
